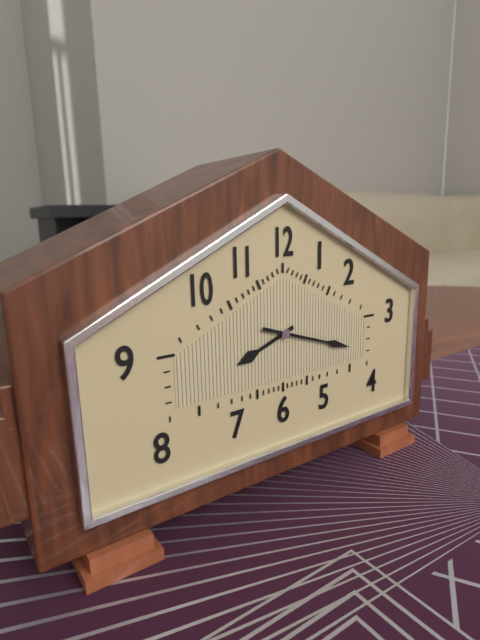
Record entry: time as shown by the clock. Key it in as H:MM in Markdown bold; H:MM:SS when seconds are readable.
**8:18**
